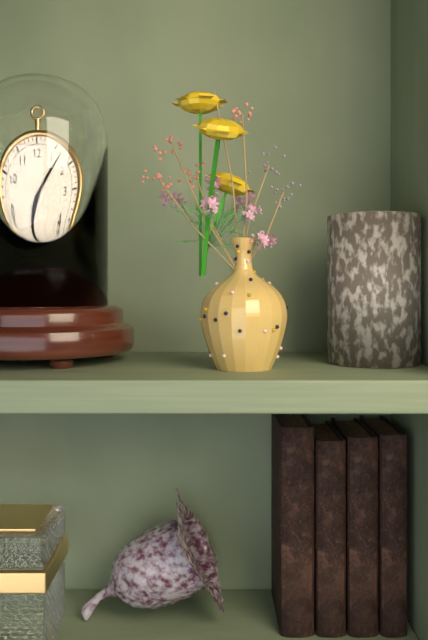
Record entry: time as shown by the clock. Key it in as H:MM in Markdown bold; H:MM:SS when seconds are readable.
**7:07**
